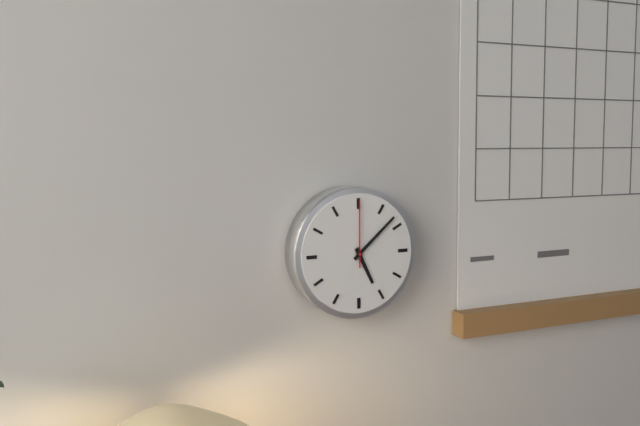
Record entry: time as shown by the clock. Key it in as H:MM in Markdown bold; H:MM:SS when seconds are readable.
**5:08:00**
